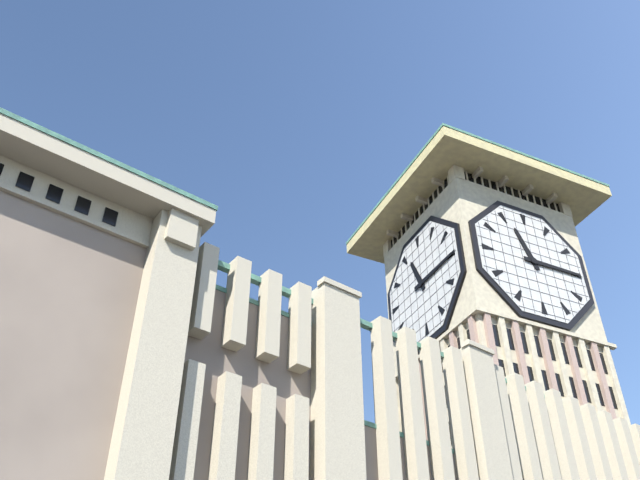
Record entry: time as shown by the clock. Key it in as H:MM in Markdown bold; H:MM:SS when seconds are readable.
**11:15**
